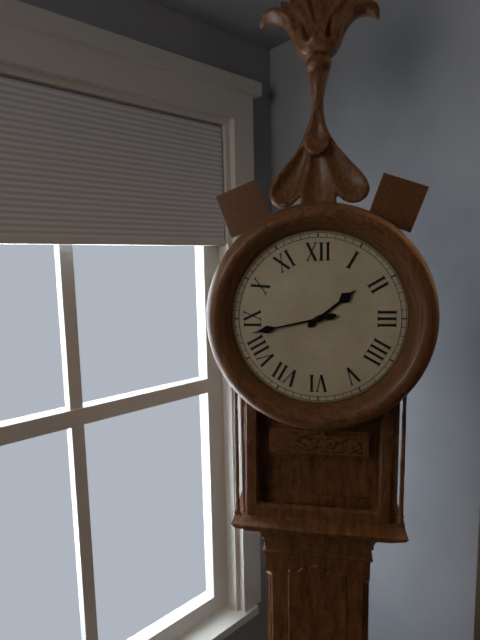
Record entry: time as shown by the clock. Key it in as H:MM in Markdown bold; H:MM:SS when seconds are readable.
**1:43**
